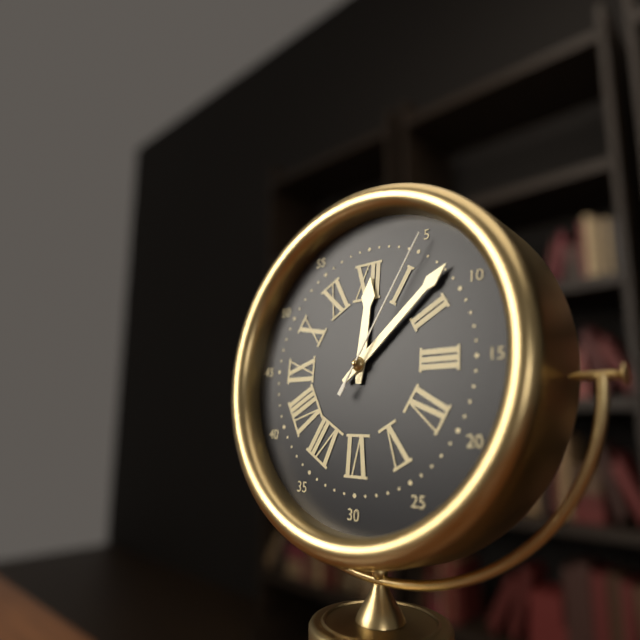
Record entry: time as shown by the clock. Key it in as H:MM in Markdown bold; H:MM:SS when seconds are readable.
**12:08:05**
